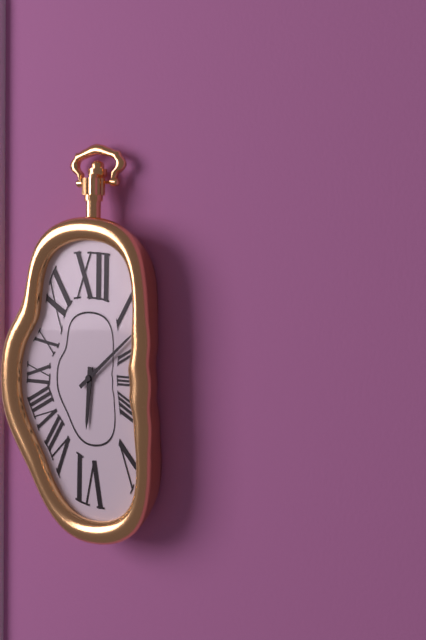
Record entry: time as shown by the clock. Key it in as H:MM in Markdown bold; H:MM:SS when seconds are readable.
**6:08**
